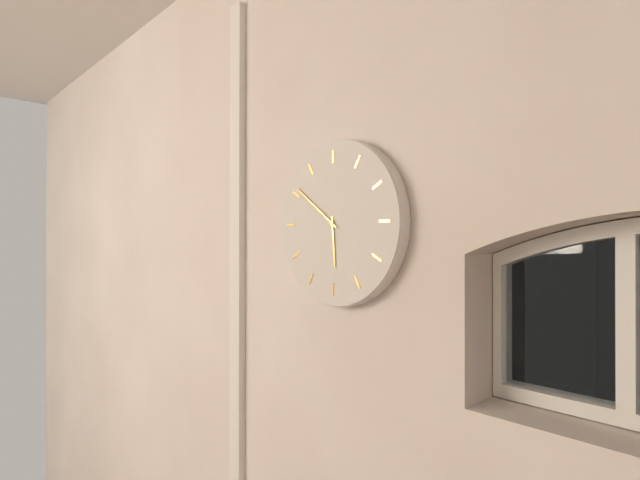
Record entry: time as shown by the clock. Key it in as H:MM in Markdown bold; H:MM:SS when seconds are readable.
**5:51**
